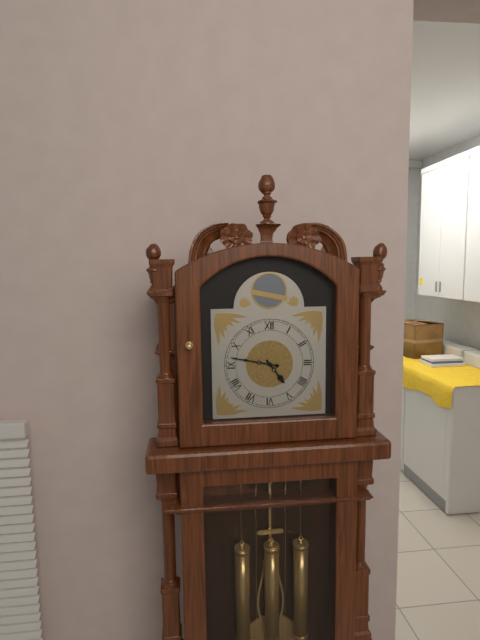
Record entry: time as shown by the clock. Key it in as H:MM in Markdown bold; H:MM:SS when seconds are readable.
**4:47**
